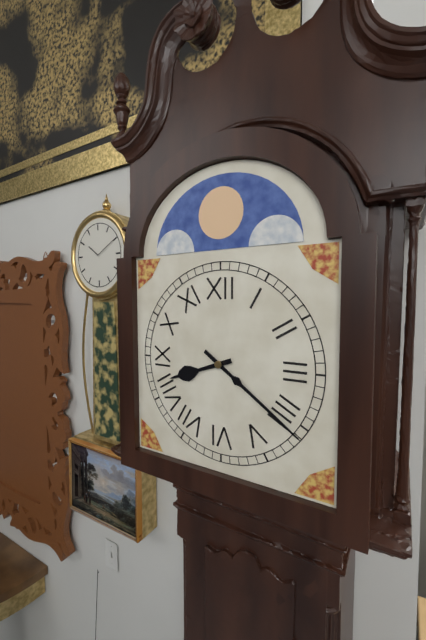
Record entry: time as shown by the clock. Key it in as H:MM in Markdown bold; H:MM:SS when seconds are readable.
**8:21**
